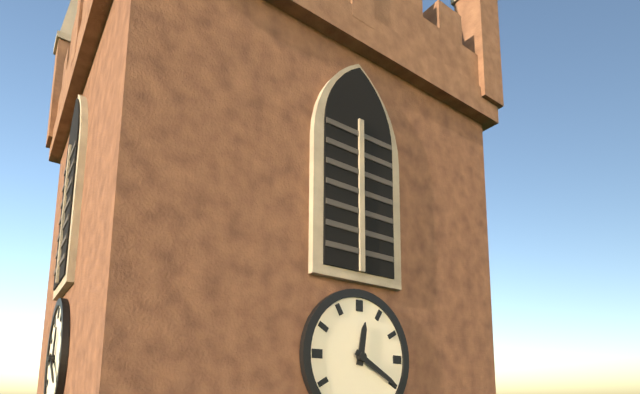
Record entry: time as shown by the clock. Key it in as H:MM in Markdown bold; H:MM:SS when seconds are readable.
**12:20**
